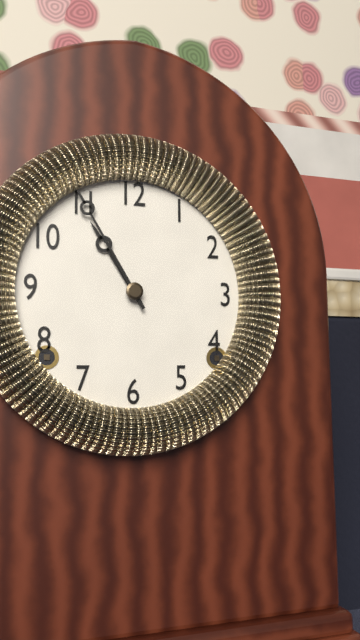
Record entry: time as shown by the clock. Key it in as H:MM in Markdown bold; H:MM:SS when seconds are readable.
**10:55**
